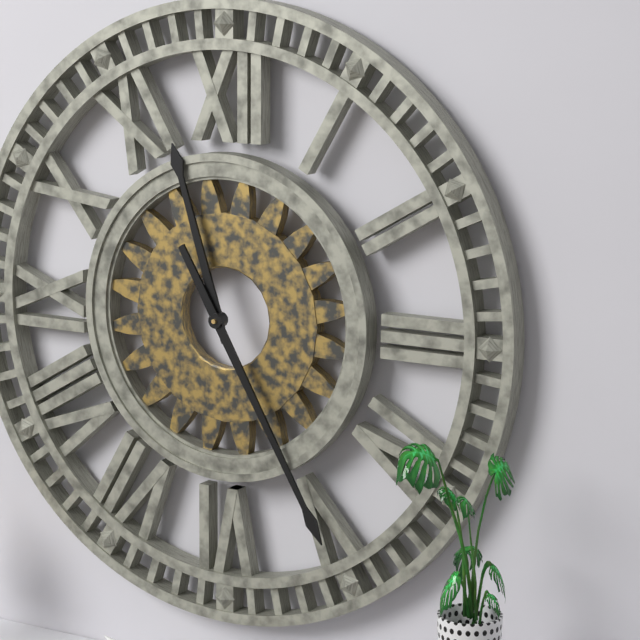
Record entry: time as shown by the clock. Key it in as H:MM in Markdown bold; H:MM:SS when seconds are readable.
**11:25**
